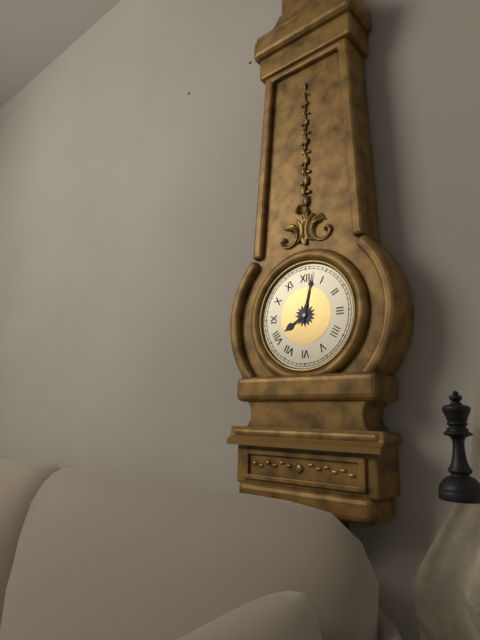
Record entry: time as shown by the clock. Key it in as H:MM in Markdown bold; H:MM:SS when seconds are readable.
**8:02**
